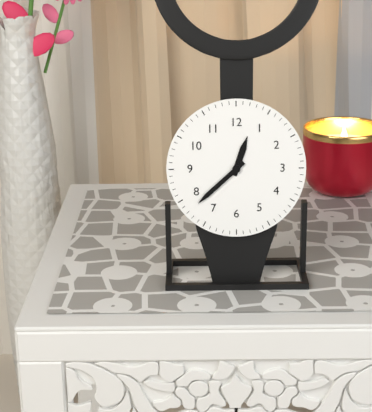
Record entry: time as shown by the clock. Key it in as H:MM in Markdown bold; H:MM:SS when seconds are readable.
**12:38**
